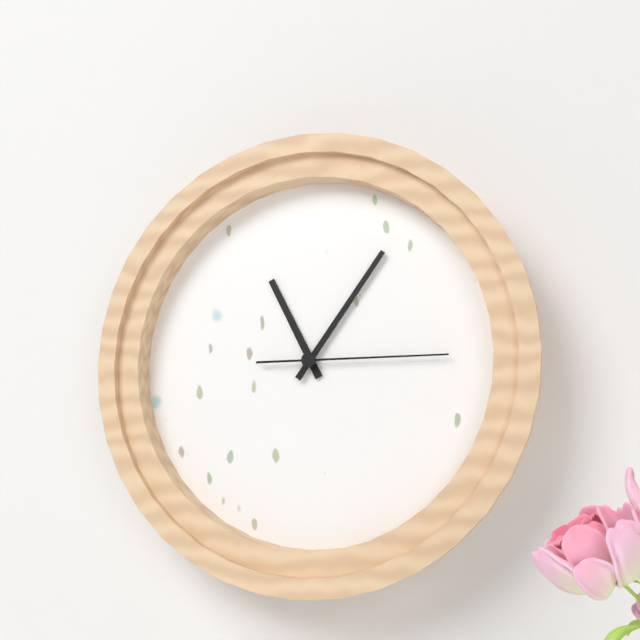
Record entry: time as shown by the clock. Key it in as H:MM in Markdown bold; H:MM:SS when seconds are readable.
**11:06:15**
